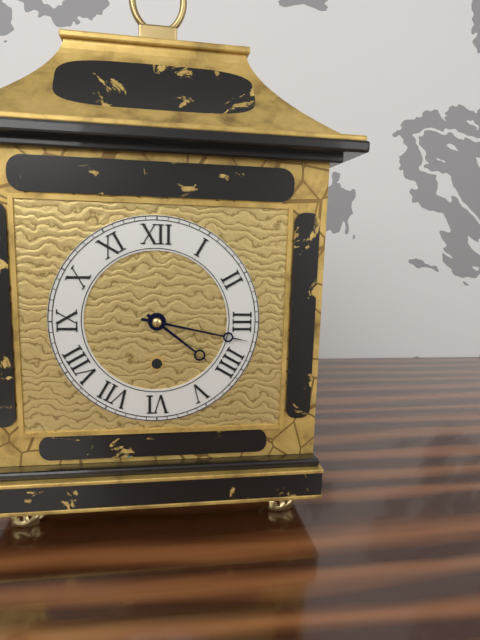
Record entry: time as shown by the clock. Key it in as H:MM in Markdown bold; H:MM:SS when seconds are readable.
**4:17**
